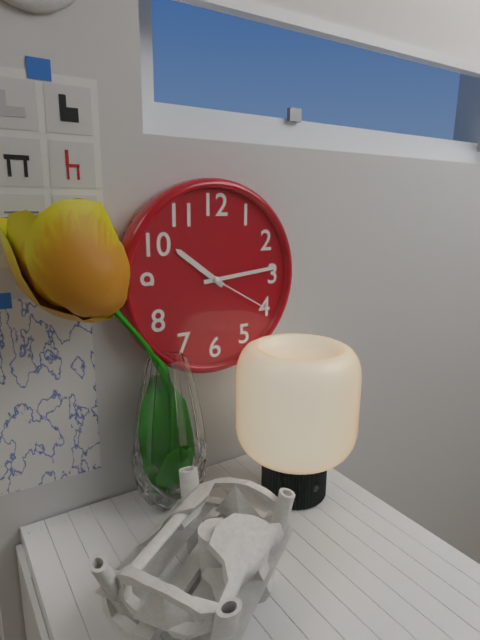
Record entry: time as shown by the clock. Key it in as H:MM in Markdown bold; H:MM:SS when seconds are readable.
**10:14:20**
